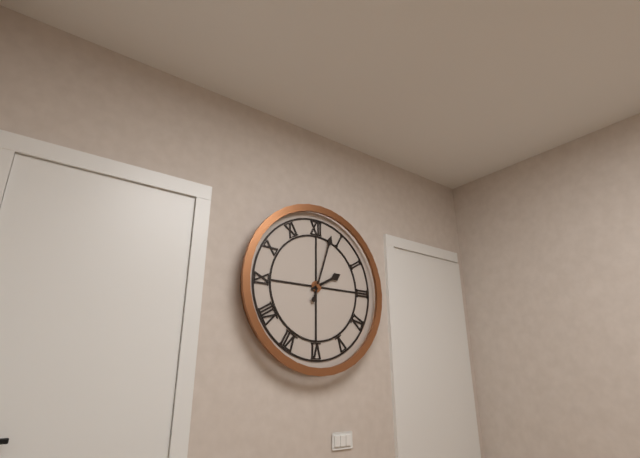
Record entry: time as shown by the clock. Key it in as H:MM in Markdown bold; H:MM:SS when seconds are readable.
**2:03**
